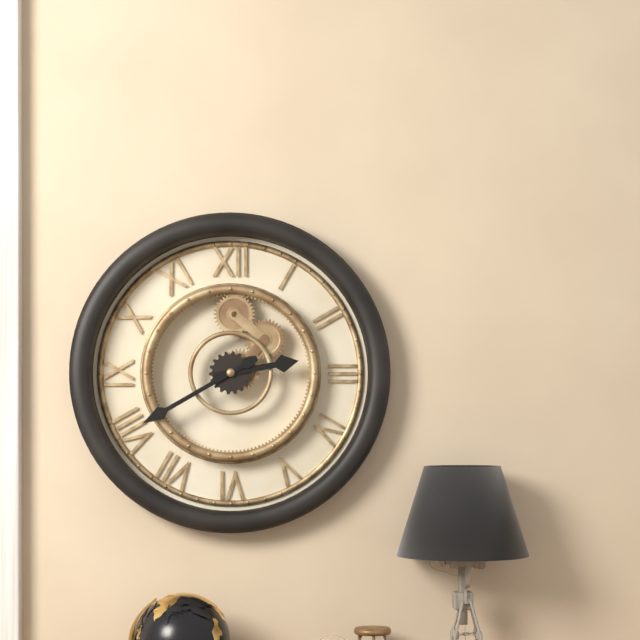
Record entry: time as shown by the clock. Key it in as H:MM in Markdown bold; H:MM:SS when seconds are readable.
**2:40**
